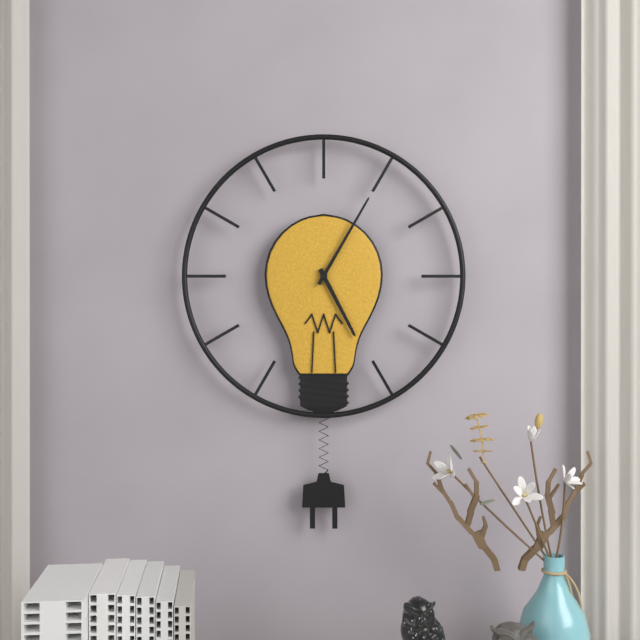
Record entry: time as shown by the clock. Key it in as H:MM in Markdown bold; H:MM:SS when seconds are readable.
**5:05**
